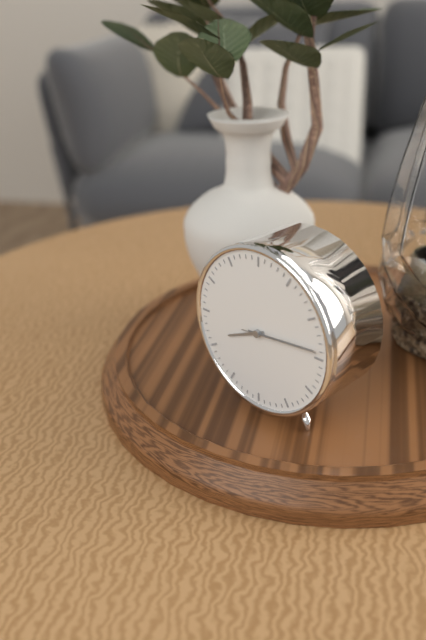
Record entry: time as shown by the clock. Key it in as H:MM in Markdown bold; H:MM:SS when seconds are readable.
**8:14:14**
